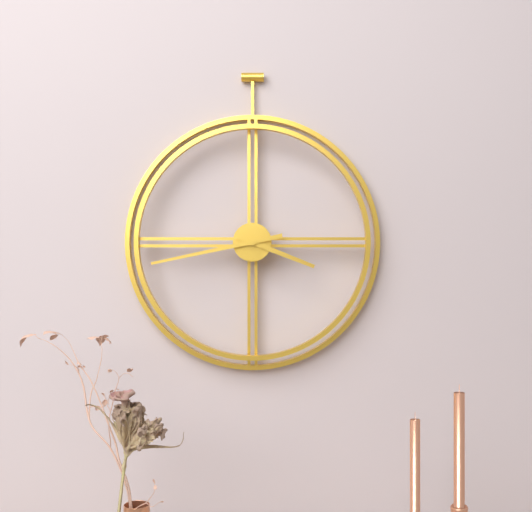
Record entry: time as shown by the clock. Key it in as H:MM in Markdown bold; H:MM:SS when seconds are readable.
**3:43**
